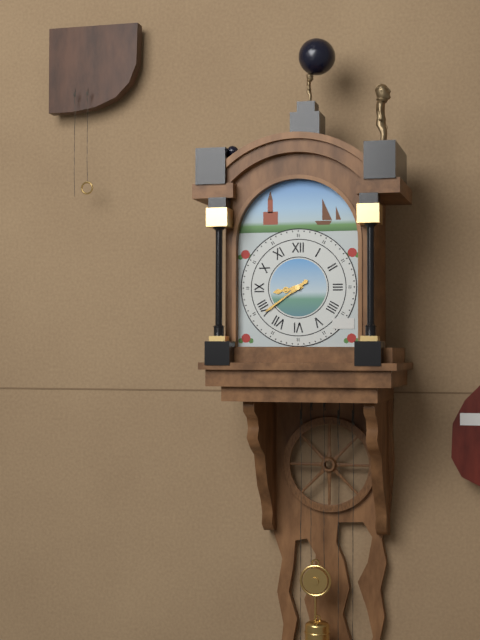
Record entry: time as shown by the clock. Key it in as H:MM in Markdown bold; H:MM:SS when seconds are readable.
**8:39**
